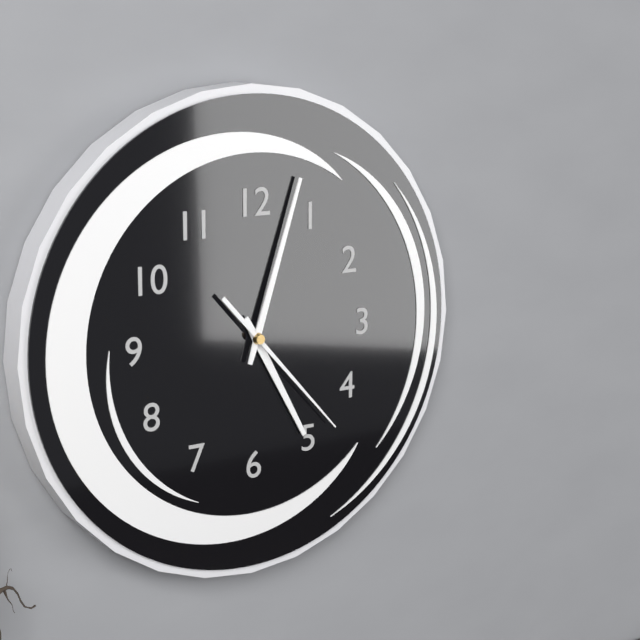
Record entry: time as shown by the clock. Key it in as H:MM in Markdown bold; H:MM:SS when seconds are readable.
**5:03:23**
